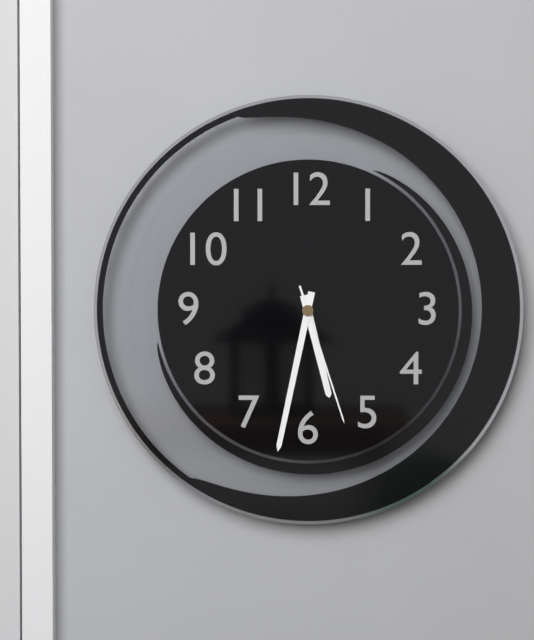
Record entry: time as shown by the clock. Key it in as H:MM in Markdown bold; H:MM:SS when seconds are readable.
**5:32:27**
